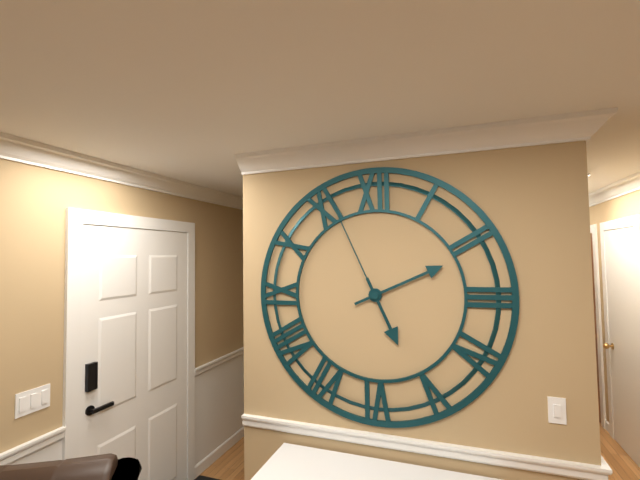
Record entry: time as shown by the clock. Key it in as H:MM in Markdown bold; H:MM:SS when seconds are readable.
**5:11:56**
